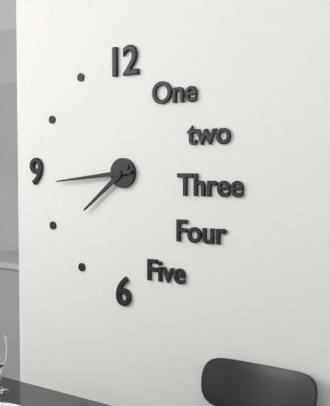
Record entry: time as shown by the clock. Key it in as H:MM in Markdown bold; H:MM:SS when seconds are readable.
**7:44**
